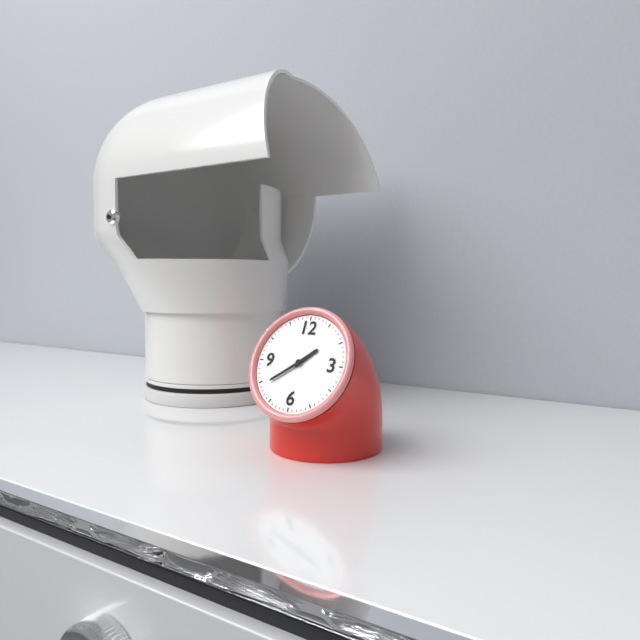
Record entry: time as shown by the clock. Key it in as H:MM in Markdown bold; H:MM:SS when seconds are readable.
**1:39**
